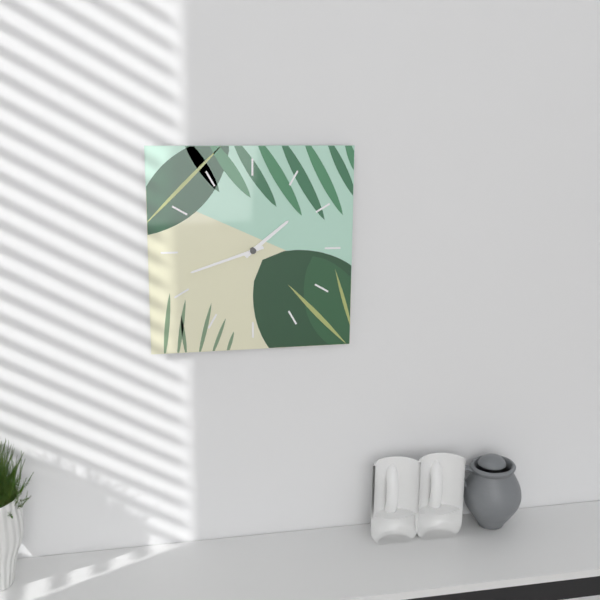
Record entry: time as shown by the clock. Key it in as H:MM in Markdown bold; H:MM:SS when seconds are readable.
**1:42**
